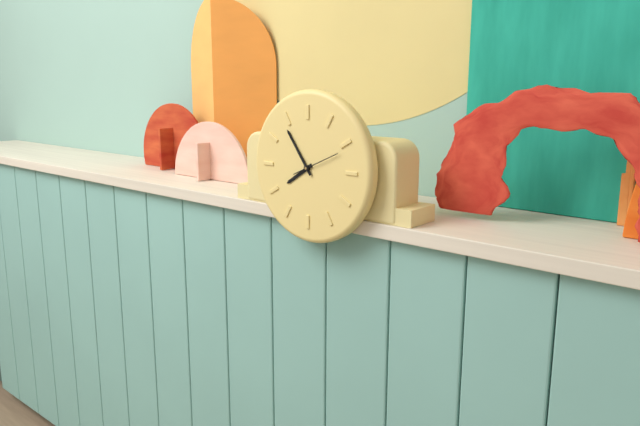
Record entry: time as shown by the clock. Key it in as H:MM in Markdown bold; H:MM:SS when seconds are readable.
**7:54**
